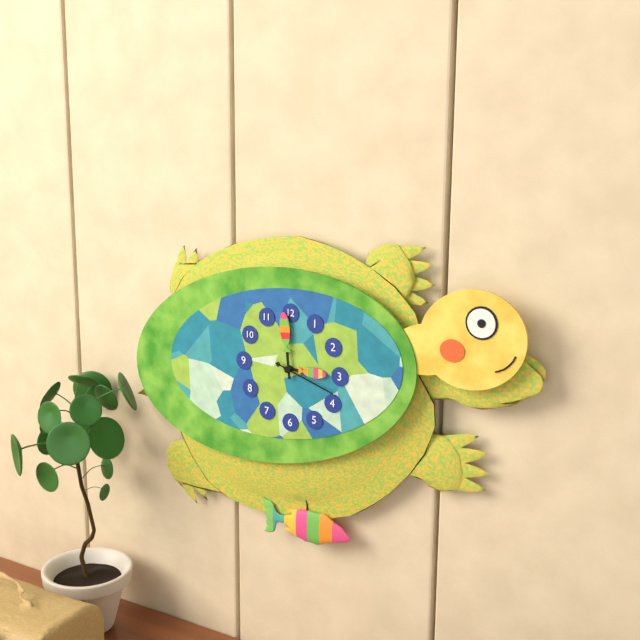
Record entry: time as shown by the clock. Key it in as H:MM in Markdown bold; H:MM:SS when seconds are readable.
**2:59:18**
